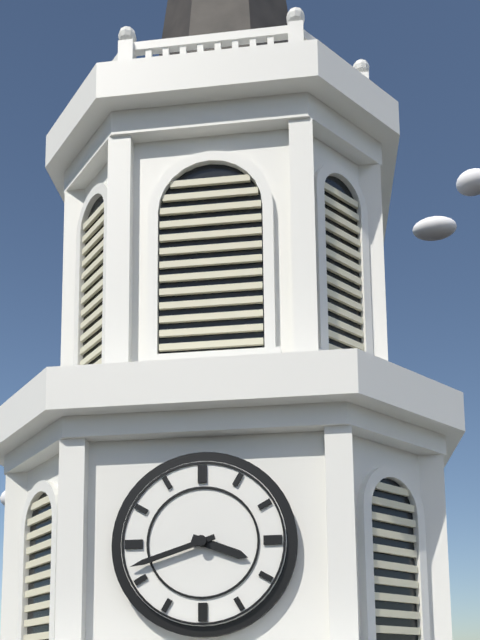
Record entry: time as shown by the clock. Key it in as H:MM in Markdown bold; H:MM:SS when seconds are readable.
**3:42**
